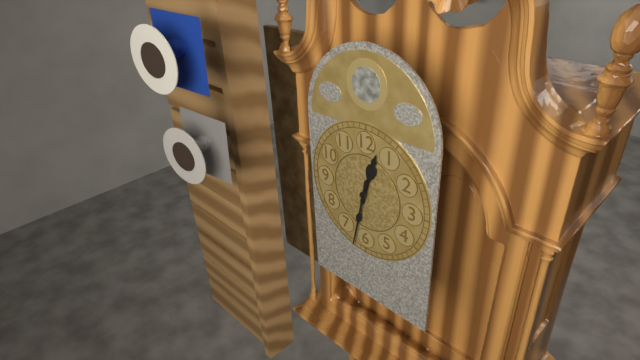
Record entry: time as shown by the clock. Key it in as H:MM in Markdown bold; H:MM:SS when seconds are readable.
**12:32**
